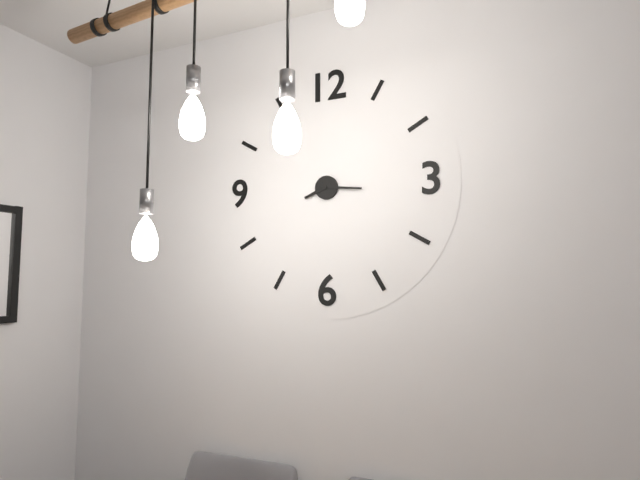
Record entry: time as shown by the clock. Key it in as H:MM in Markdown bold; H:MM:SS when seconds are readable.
**8:16**
